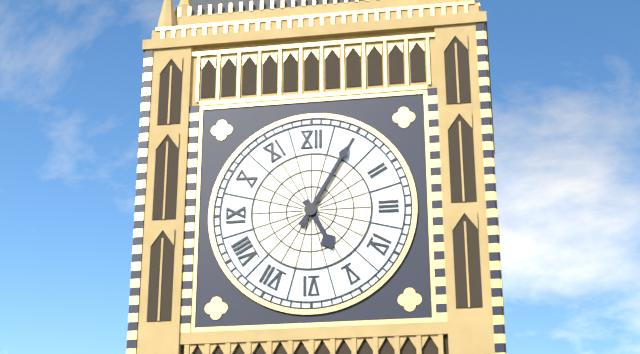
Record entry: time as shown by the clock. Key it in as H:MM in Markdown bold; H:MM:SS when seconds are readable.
**5:05**
